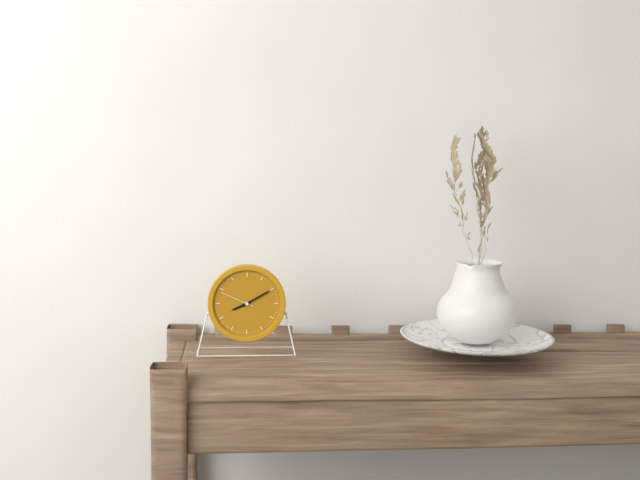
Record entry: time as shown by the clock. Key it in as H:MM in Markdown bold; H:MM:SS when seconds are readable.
**8:10**
